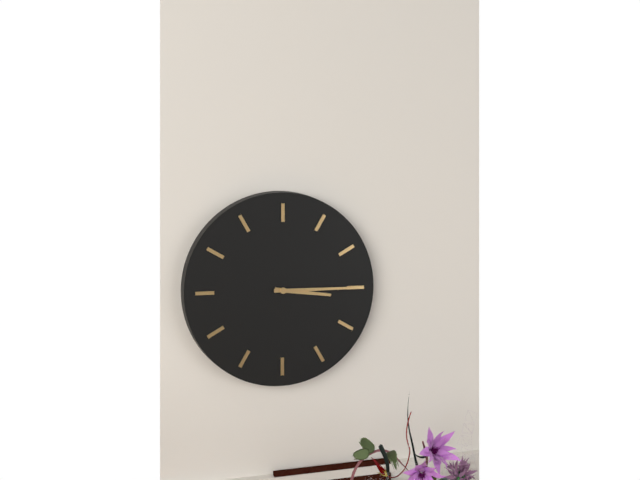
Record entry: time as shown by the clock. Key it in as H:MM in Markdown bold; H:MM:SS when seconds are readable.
**3:15**
